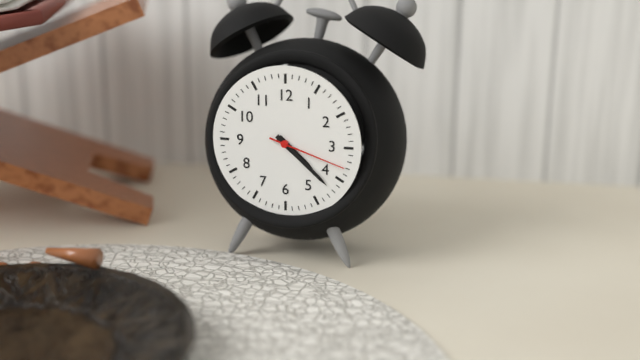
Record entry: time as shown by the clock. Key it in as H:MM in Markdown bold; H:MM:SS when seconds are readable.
**4:22:18**
